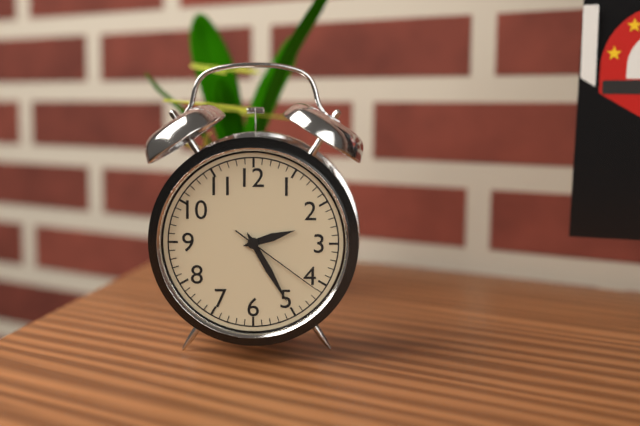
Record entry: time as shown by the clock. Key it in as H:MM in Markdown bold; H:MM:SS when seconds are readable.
**2:25:21**
